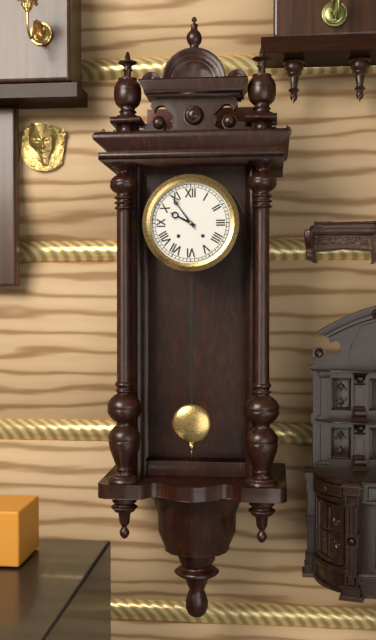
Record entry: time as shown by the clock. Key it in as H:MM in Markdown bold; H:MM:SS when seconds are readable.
**9:54**
